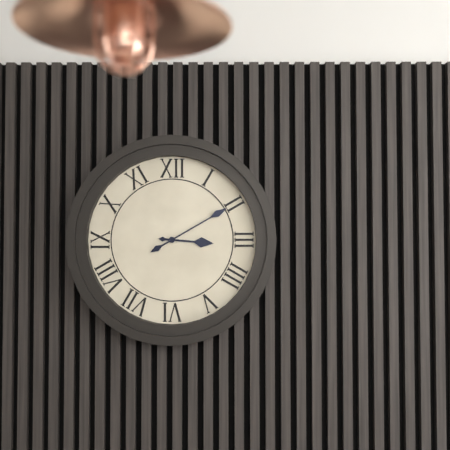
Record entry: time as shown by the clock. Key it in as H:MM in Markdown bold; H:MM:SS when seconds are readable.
**3:10**
